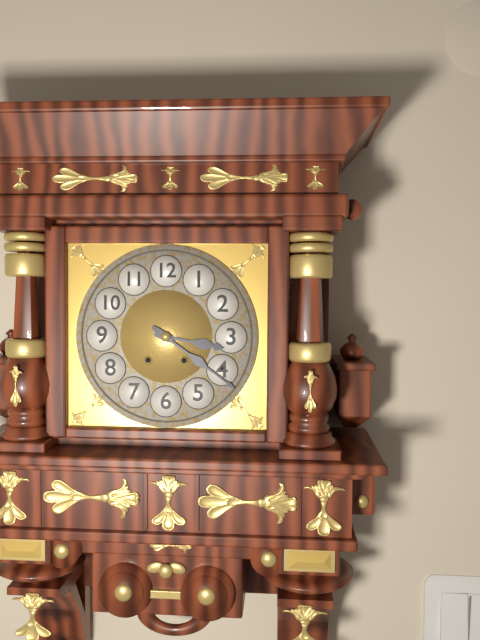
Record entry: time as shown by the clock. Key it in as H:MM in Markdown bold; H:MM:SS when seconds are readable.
**3:21**
